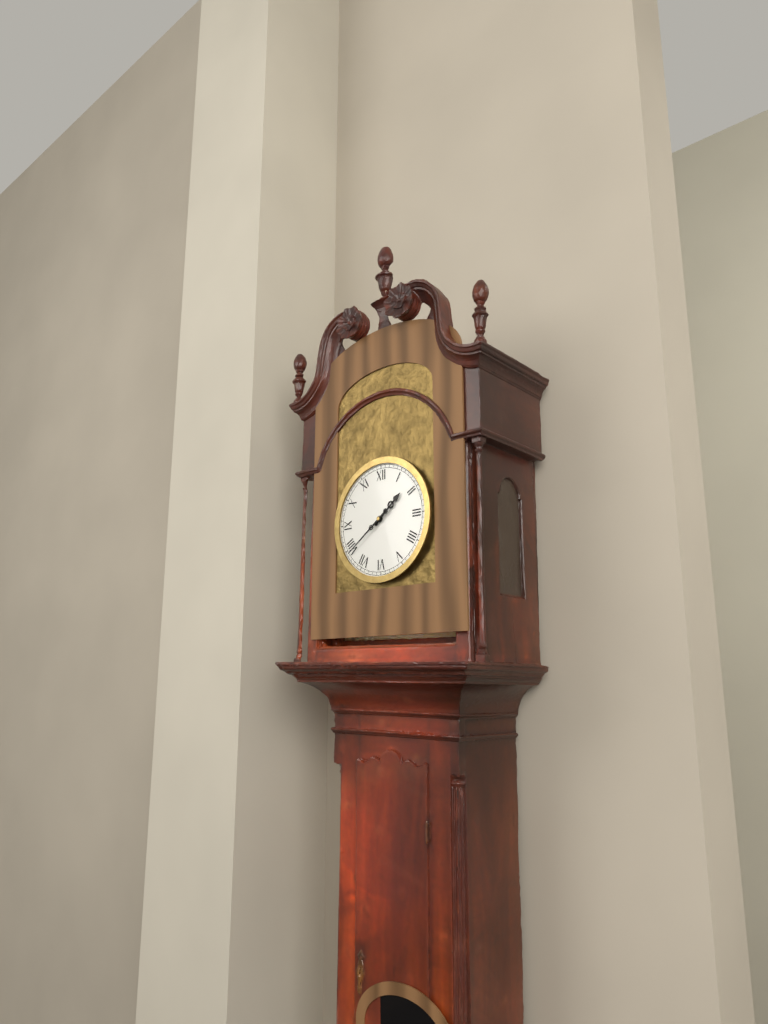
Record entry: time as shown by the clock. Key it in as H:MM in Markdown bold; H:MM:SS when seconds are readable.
**1:39**
